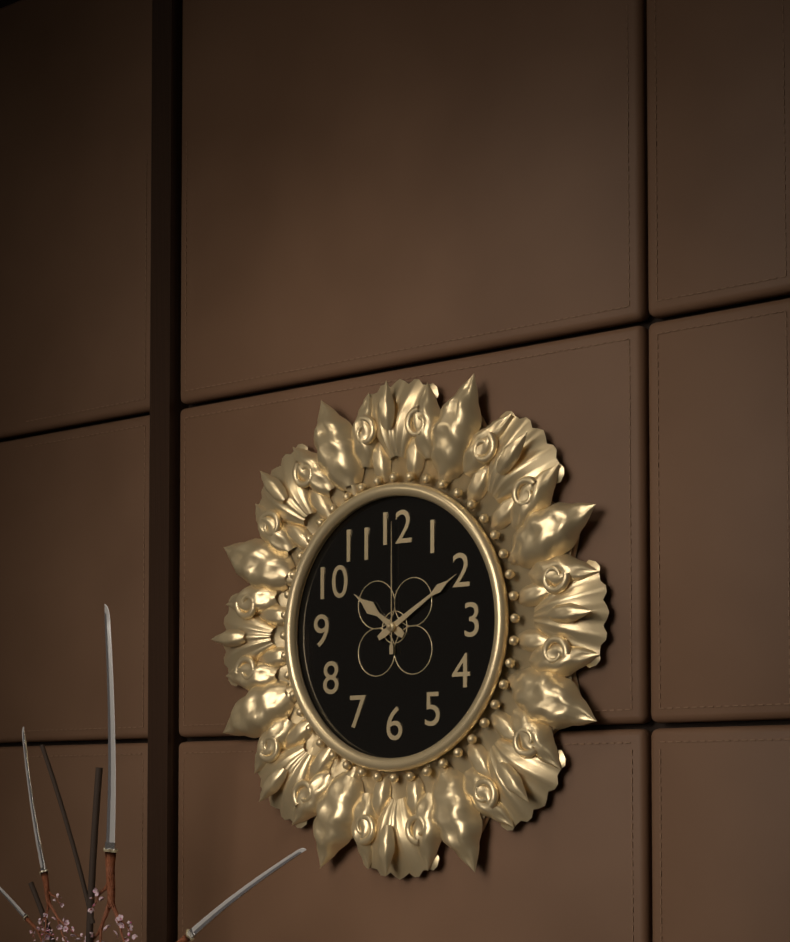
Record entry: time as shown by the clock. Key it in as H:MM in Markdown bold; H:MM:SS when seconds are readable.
**10:10:00**
